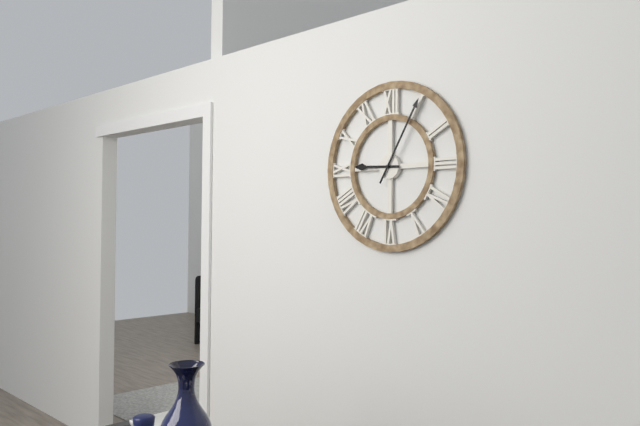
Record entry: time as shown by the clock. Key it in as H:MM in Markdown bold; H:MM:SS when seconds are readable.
**9:05**
